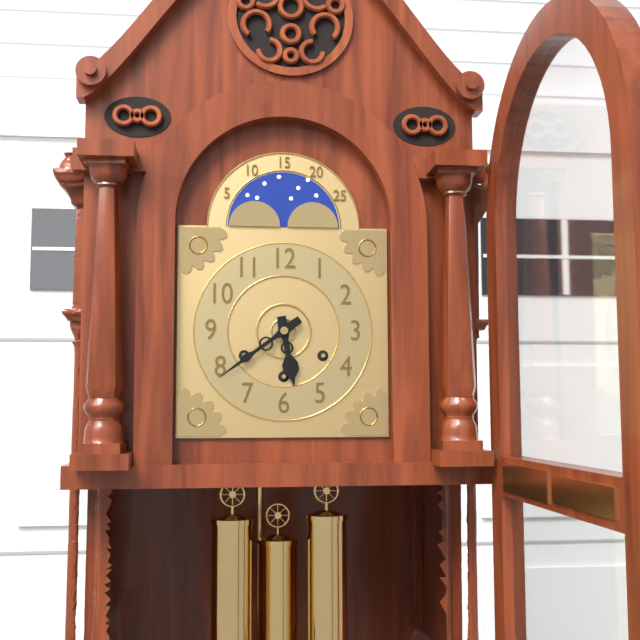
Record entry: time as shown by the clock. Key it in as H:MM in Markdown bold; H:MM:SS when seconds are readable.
**5:39**
